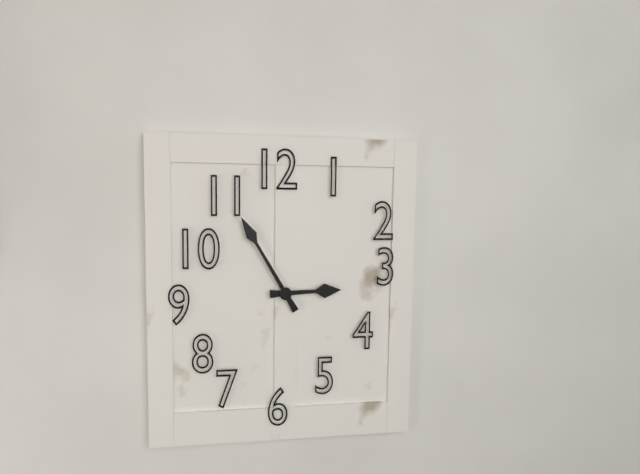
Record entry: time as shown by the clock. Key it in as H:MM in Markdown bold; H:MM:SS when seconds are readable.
**2:55**
